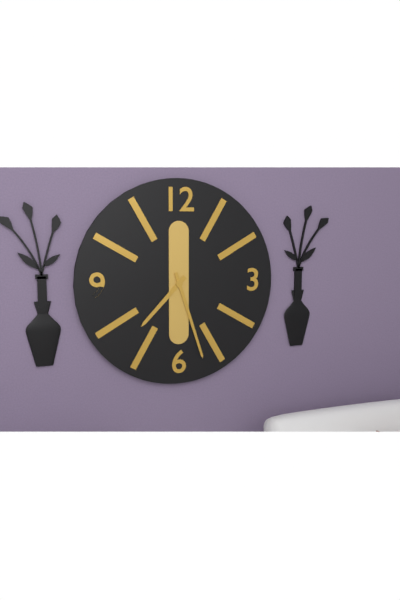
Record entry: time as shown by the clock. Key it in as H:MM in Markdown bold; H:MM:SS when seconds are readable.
**7:27**
